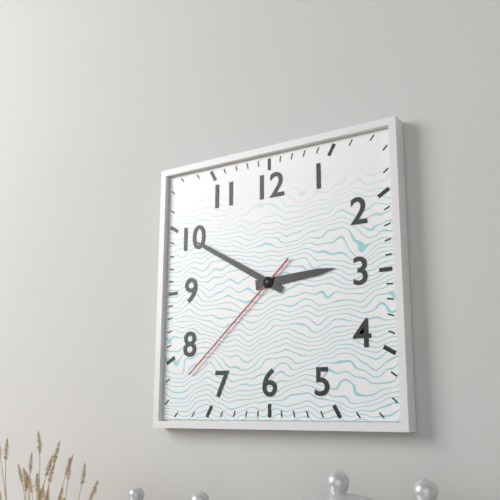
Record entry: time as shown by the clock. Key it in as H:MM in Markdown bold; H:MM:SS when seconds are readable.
**2:50:38**
